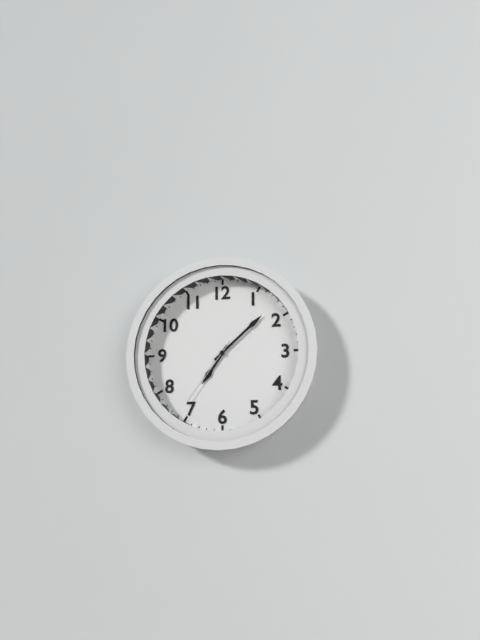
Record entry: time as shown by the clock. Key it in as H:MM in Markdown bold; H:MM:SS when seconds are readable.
**7:08:36**
